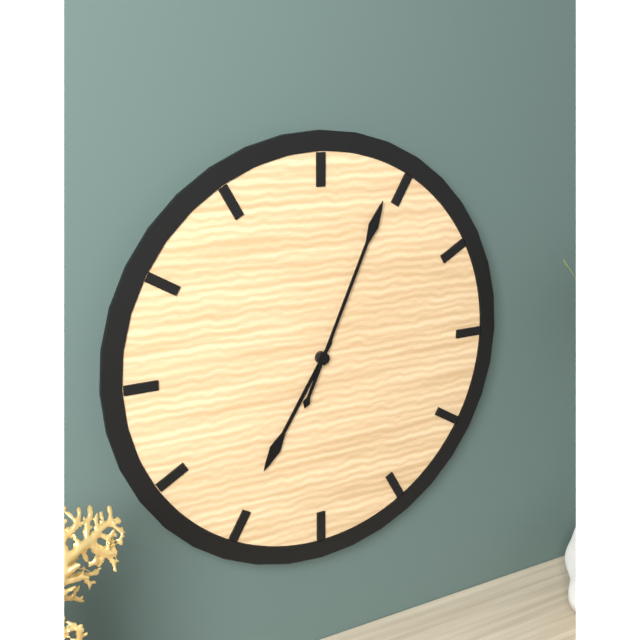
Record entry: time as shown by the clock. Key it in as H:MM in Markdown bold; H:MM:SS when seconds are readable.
**7:04**
